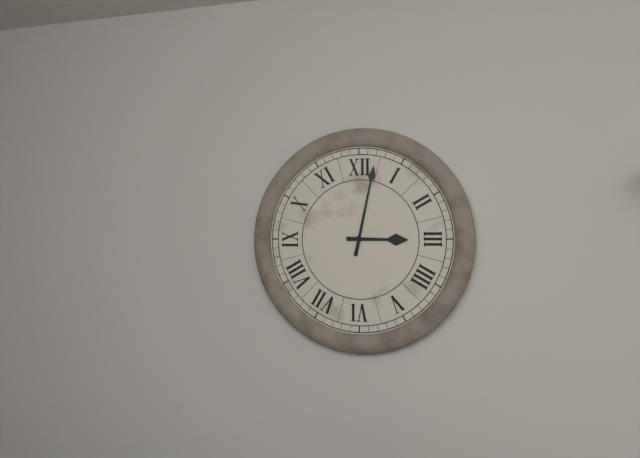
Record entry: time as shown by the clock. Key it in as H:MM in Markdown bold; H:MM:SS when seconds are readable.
**3:02**
